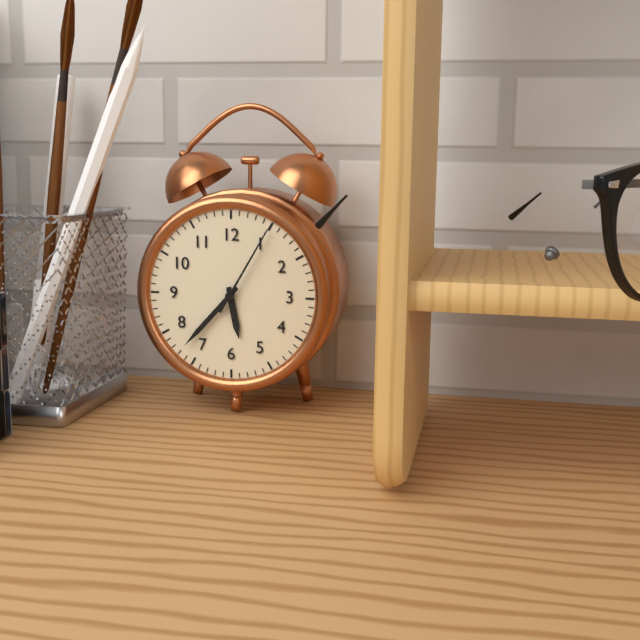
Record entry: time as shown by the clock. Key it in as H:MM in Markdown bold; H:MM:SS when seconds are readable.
**5:37:05**
